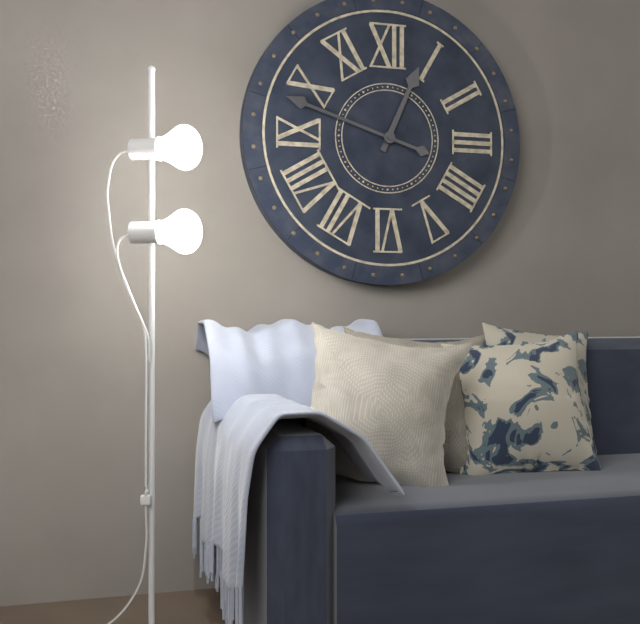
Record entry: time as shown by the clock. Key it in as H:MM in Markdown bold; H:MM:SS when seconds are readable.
**12:48**
